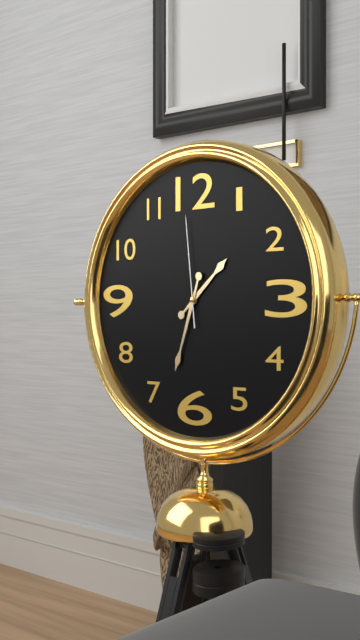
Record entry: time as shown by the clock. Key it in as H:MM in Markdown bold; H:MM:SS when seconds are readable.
**1:33:59**
